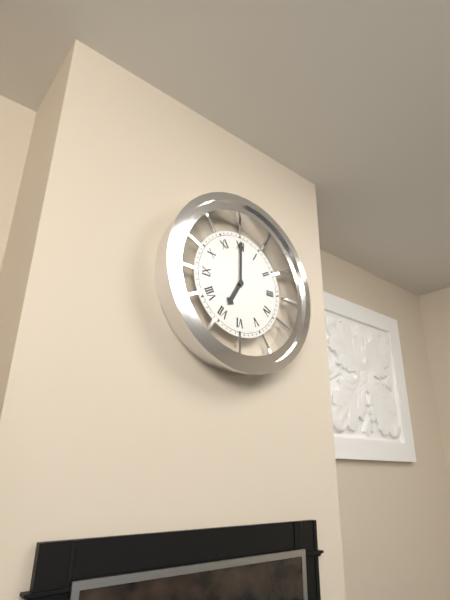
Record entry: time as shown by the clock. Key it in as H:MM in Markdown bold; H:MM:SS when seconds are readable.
**7:00**
